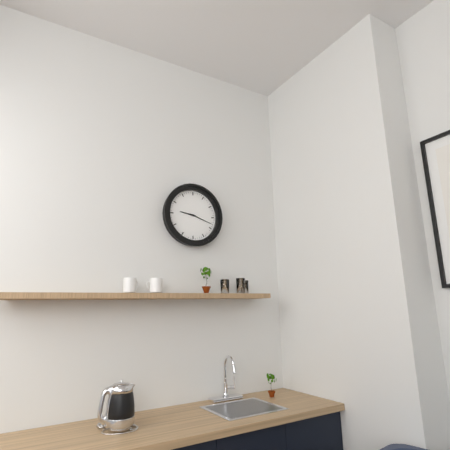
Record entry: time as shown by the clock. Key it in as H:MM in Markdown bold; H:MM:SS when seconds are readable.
**9:18**
